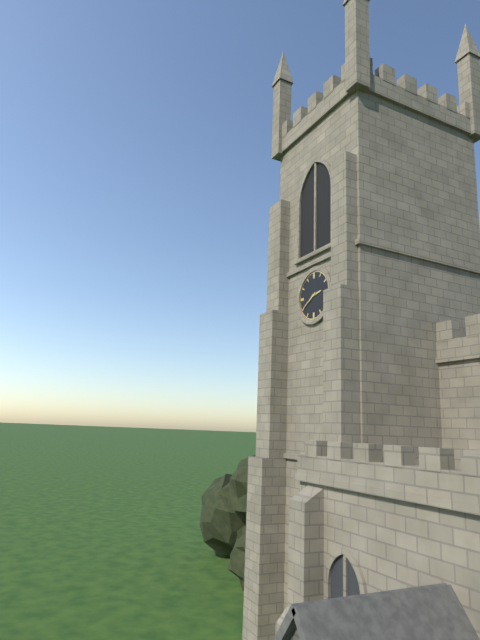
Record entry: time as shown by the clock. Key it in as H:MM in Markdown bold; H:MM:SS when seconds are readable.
**2:40**
